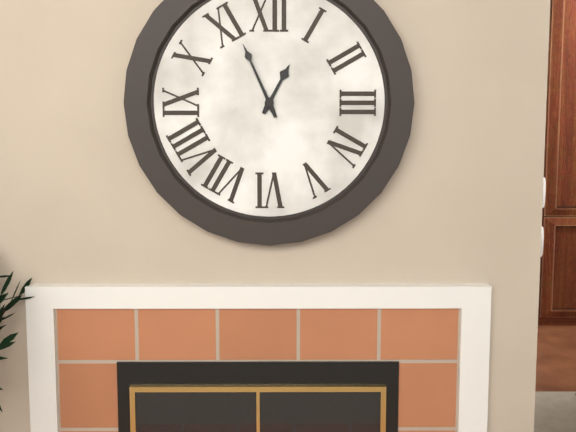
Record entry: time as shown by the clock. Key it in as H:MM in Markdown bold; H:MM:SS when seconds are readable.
**12:56**
